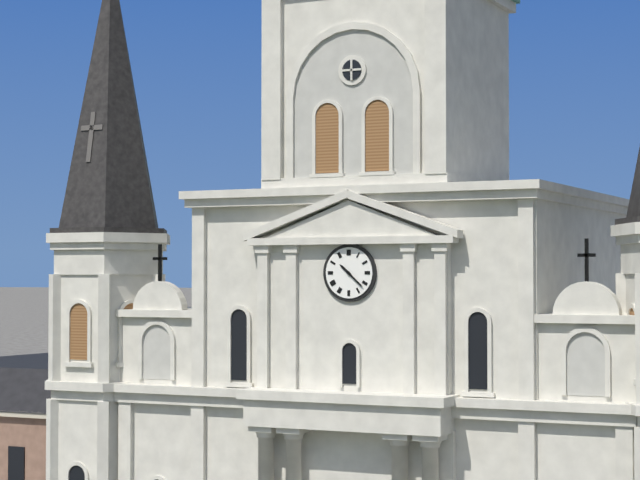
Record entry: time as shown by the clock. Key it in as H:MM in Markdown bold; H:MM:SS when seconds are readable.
**10:22**
